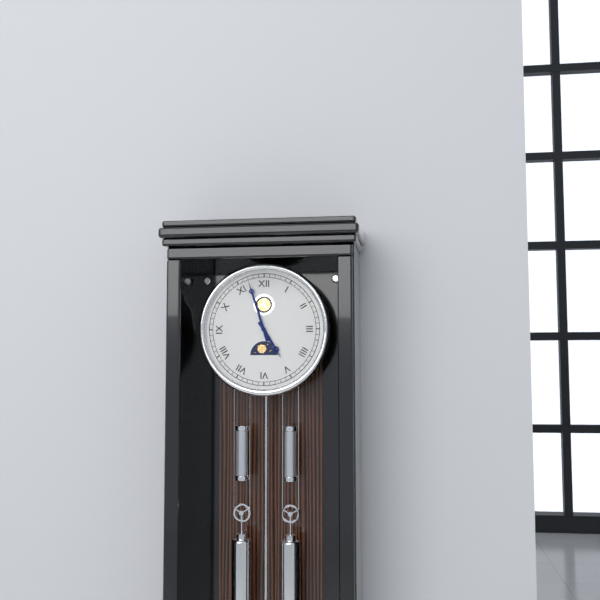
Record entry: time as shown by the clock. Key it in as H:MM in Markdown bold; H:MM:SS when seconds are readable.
**4:57**
